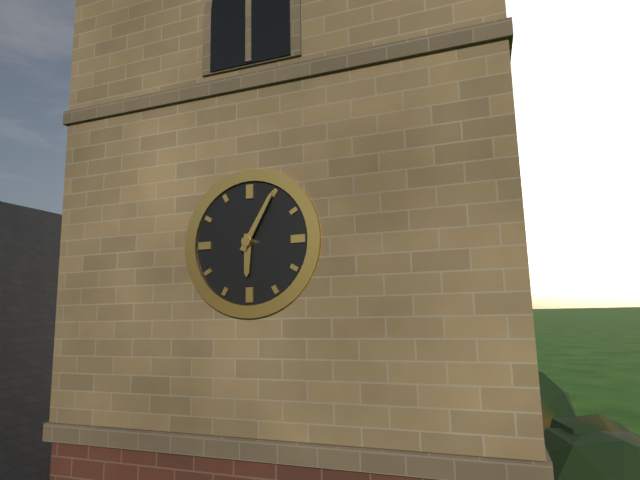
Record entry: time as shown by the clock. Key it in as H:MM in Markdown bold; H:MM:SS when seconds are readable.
**6:05**
